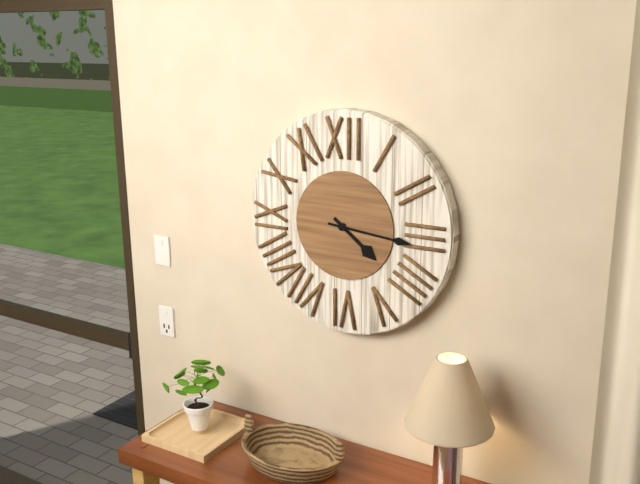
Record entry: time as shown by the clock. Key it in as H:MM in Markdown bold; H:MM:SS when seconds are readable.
**4:16**
